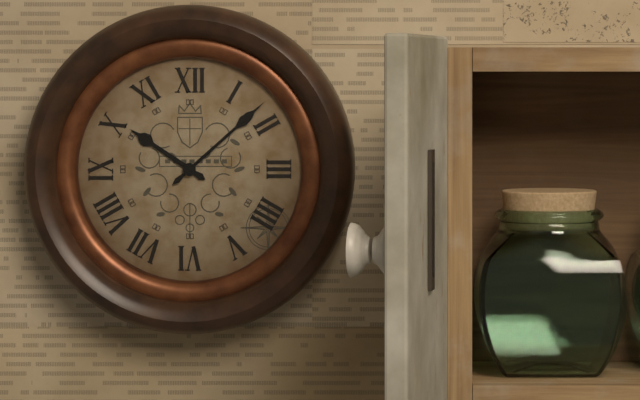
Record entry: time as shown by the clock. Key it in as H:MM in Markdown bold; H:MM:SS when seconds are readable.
**10:08**
